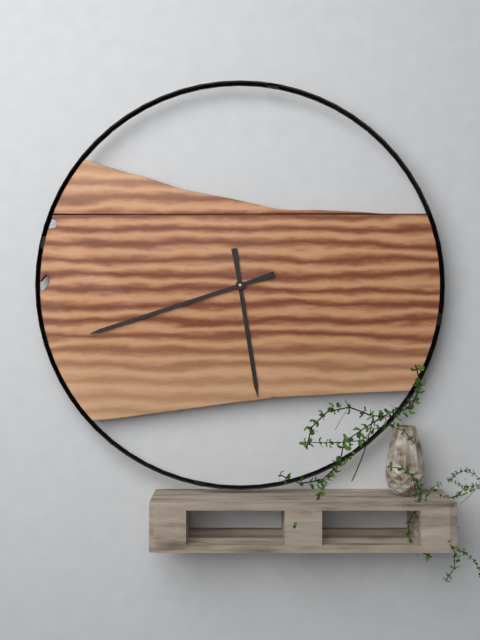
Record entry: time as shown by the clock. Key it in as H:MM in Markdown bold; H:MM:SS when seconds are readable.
**5:42**
